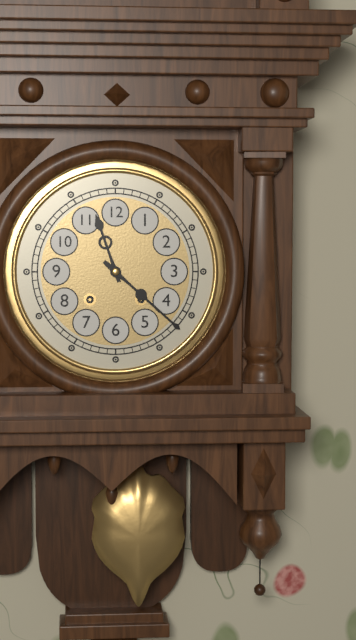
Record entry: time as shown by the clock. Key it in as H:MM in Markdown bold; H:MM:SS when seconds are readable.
**11:22**
